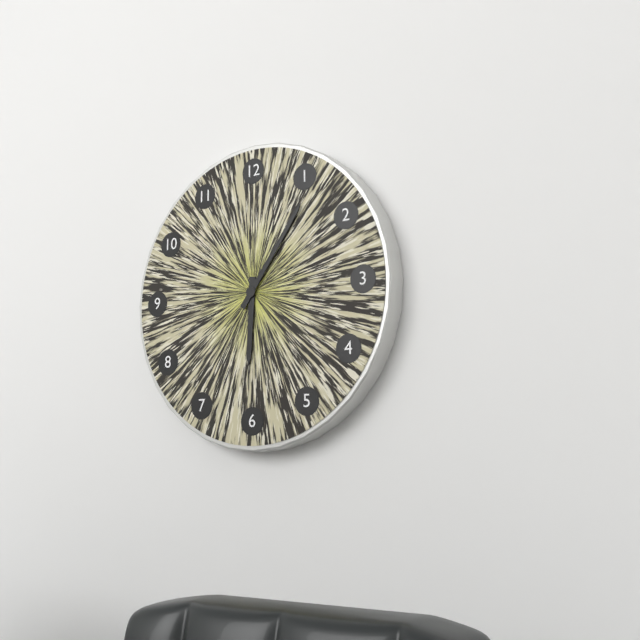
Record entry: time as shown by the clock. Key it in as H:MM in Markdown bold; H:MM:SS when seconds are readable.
**6:06**
